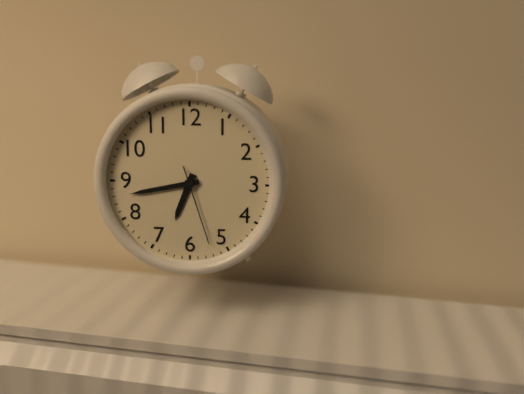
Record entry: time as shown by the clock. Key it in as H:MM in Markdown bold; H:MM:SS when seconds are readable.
**6:43:27**
